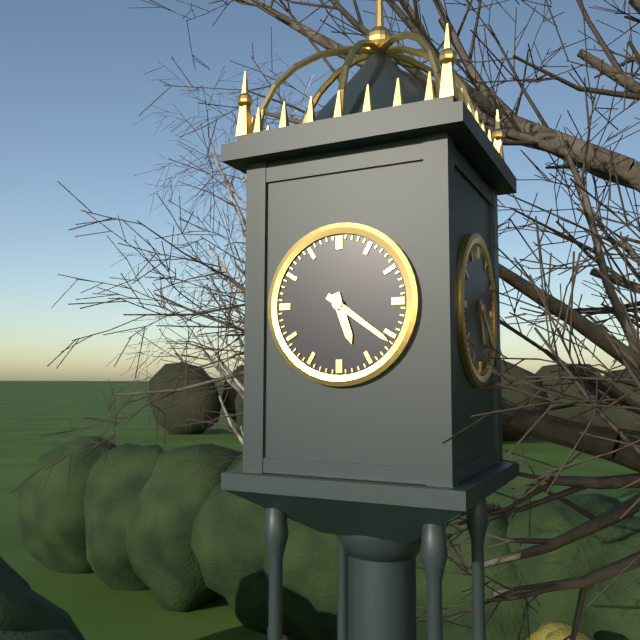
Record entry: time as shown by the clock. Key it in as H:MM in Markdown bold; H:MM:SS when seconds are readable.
**5:21**
